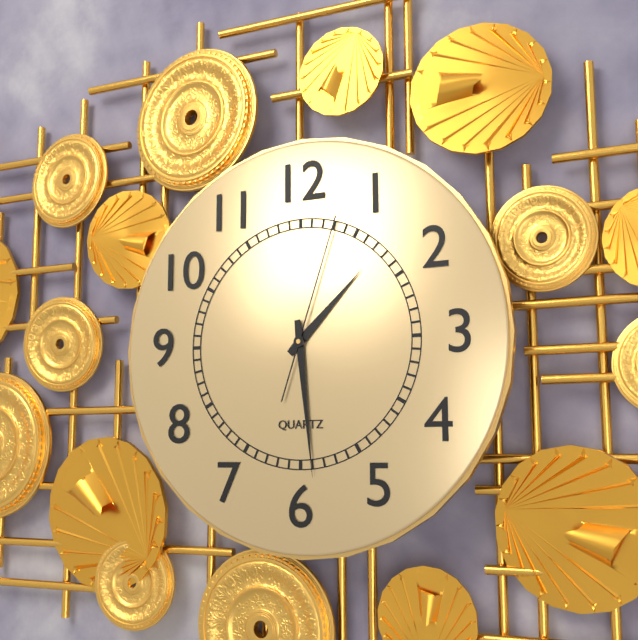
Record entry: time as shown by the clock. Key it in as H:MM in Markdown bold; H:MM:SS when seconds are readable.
**1:29:03**
